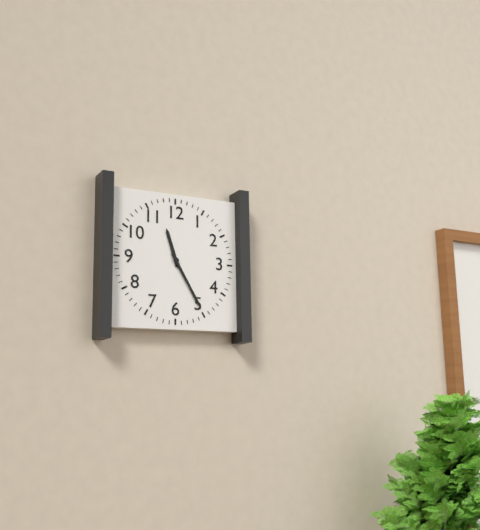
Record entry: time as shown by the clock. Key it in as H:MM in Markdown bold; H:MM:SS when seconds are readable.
**11:25**
